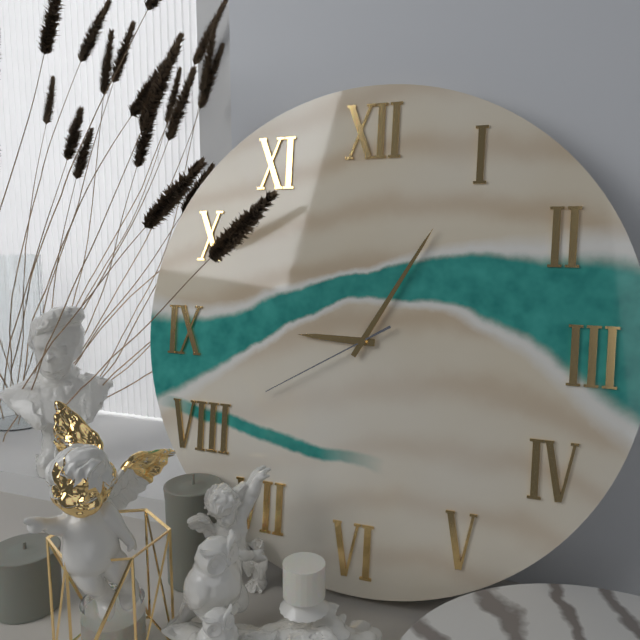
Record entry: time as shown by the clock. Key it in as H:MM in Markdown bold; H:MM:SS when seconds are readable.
**9:05:40**
